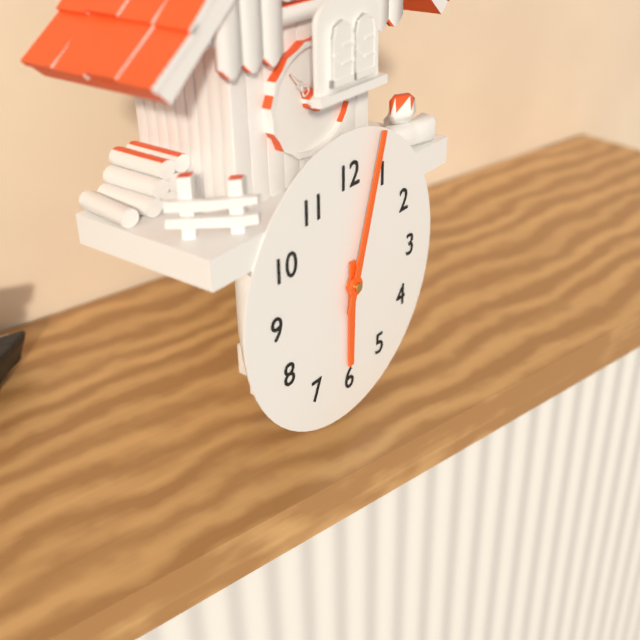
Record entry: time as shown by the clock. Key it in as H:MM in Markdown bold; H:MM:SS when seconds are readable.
**6:03**
